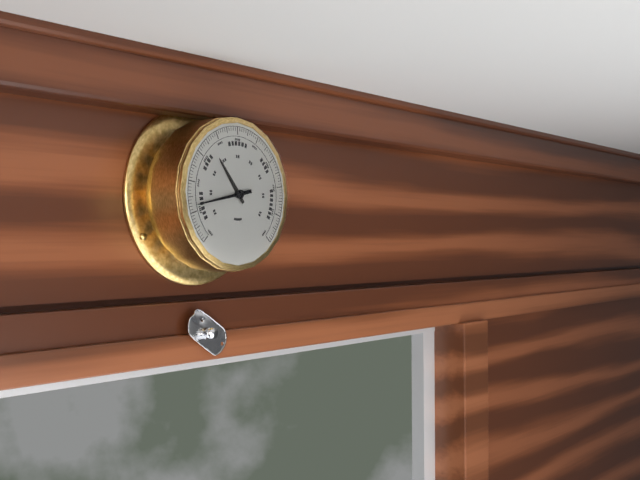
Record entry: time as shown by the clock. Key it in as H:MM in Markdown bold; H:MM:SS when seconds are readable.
**10:43**
